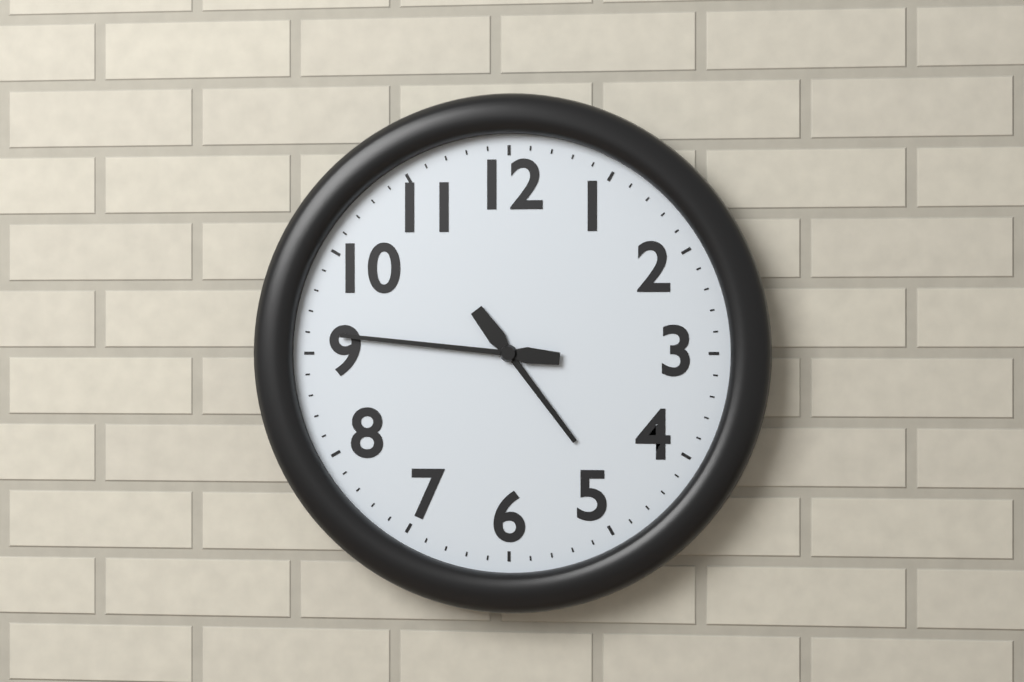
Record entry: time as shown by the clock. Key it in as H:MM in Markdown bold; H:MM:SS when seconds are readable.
**4:46**
